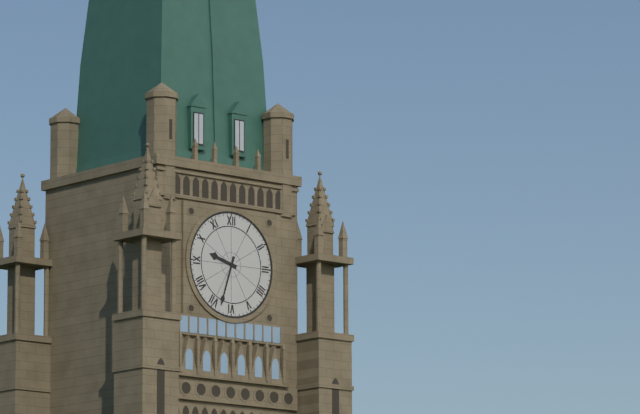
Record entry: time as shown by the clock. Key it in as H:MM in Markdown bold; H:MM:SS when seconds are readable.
**9:33**
